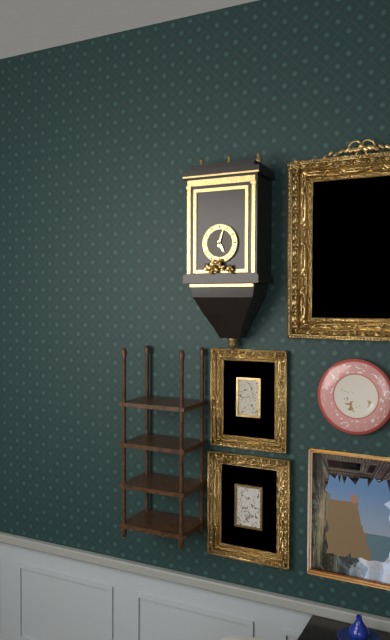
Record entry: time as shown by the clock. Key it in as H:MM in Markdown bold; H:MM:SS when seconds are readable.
**5:03**
